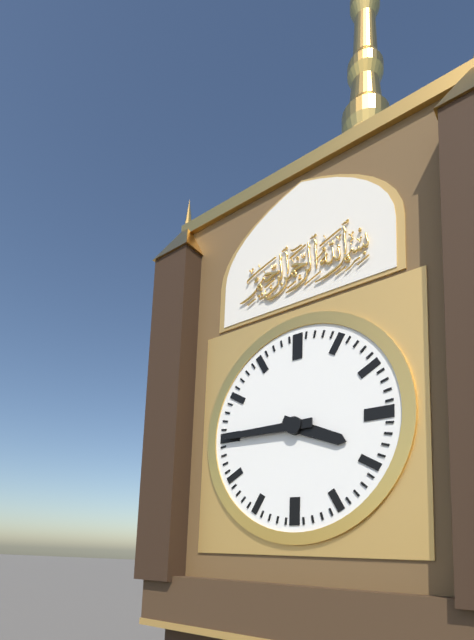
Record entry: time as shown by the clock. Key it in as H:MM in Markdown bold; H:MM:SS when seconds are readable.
**3:45**
